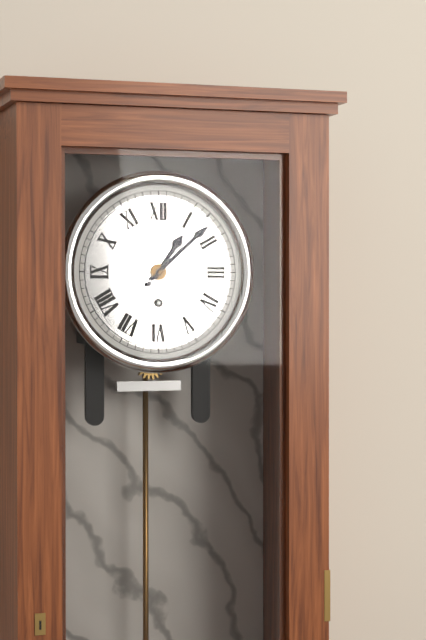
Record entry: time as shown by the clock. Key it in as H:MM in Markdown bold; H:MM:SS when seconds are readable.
**1:08:07**
